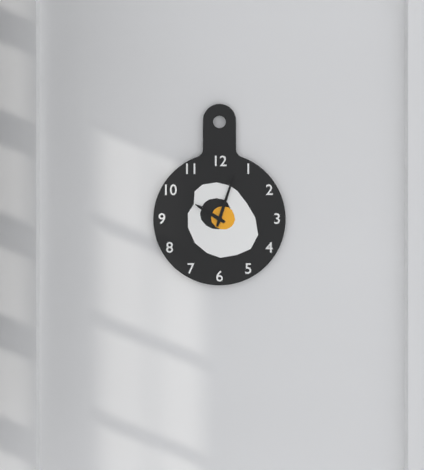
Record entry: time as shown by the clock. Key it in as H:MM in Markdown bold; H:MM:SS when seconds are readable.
**10:03**
